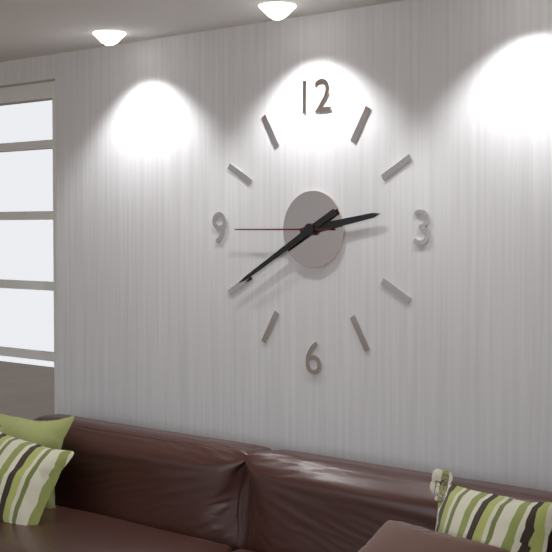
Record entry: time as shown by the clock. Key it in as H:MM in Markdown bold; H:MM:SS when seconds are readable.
**2:40:45**
